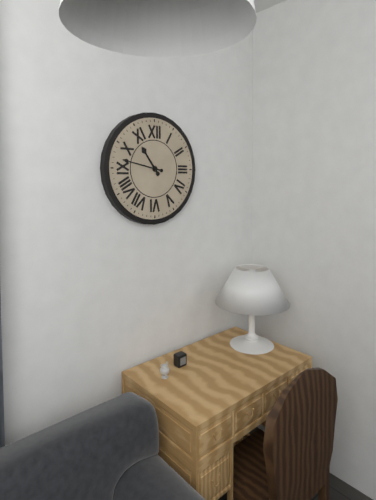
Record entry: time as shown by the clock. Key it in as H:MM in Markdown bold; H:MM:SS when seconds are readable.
**10:47**
